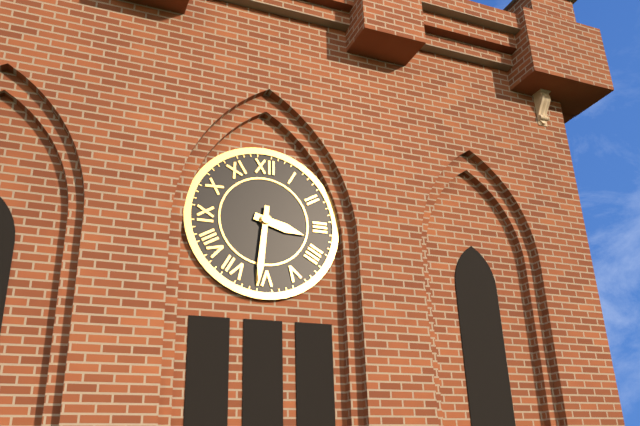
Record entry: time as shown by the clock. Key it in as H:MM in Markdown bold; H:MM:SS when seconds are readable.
**3:31**
